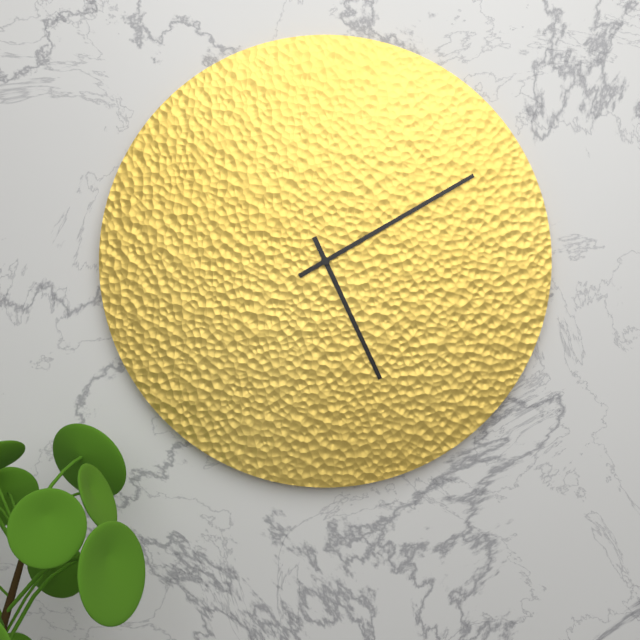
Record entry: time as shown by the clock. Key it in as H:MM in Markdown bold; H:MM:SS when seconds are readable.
**5:10**
